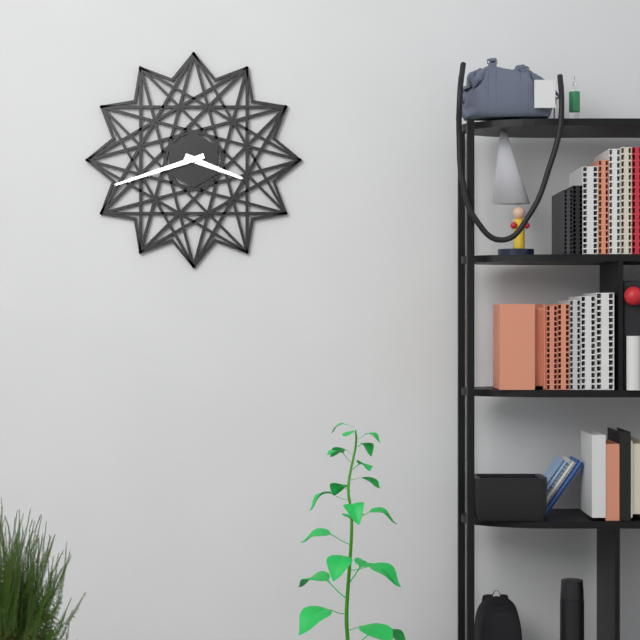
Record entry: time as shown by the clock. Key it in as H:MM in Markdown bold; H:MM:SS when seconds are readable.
**3:42**
